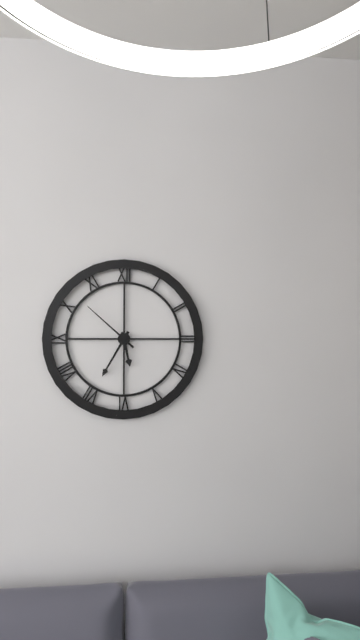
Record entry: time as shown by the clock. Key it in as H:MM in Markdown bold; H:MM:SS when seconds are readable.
**5:35:52**
